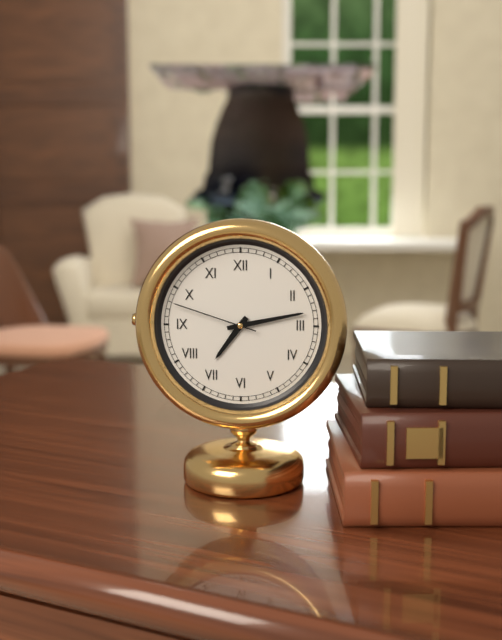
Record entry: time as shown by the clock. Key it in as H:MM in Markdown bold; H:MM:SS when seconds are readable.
**7:13:48**
